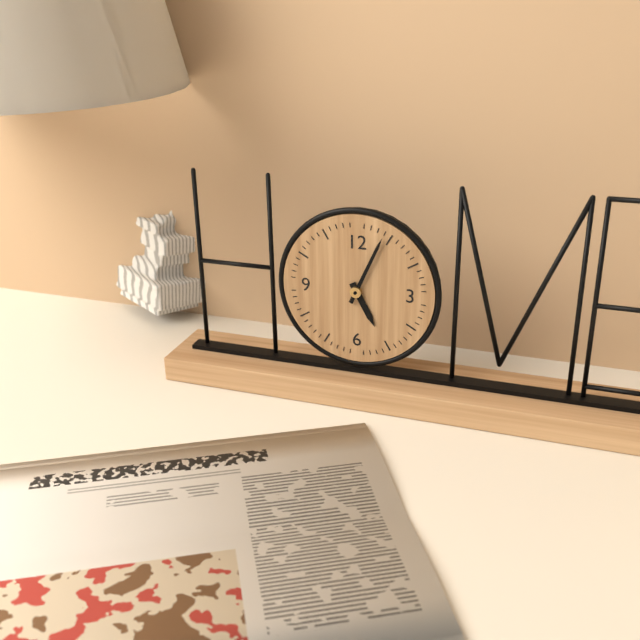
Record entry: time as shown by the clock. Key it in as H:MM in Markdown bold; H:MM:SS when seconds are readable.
**5:04**
